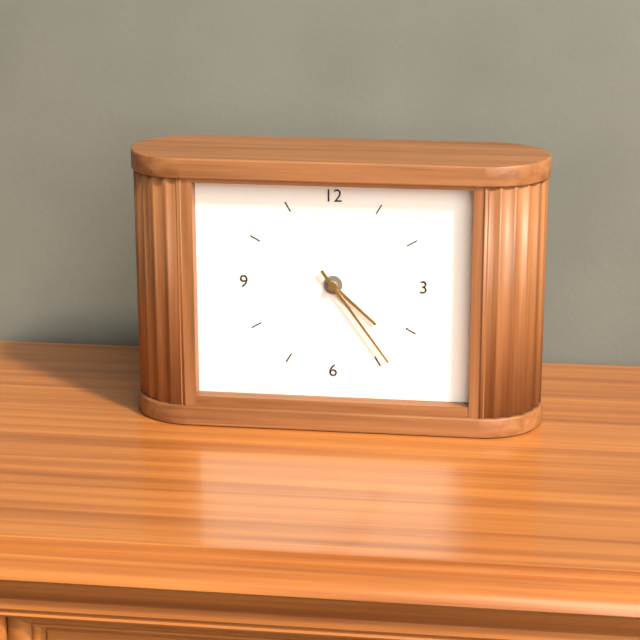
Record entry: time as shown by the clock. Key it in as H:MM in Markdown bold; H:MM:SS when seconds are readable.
**4:24**
